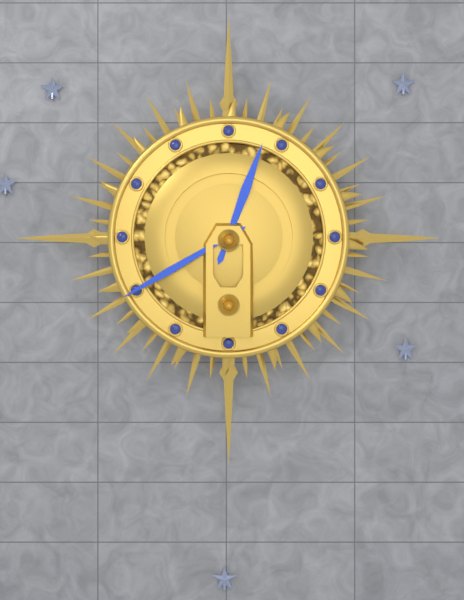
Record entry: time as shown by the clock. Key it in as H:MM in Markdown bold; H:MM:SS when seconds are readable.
**12:40**
